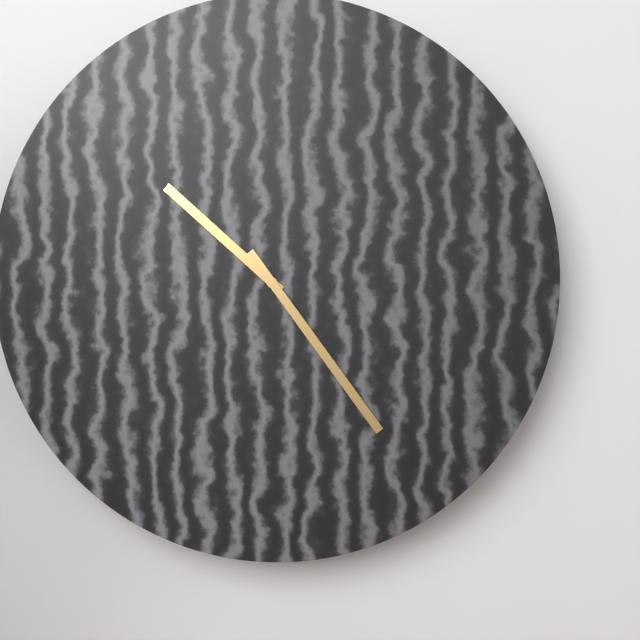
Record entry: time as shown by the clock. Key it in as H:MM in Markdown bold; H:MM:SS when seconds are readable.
**10:24**
